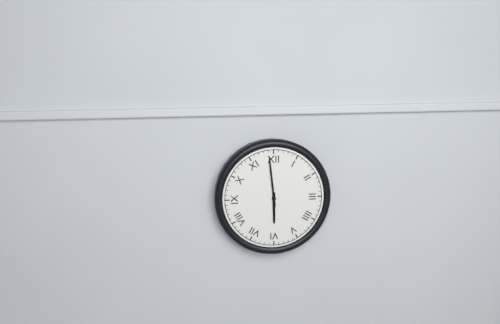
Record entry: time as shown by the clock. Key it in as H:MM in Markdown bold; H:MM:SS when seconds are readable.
**5:59**
